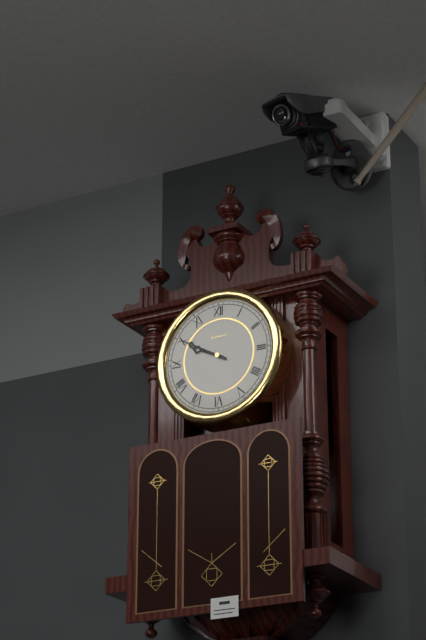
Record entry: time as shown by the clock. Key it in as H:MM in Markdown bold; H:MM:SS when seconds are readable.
**9:50**
